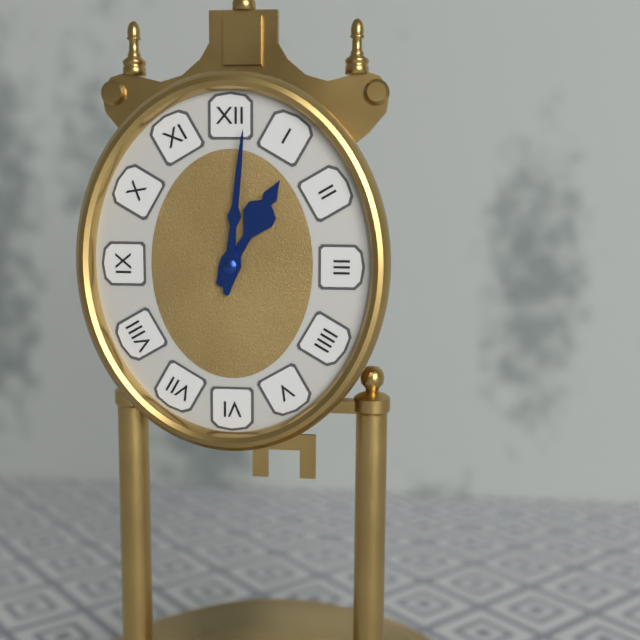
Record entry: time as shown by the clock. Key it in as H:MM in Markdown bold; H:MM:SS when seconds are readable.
**1:01**
